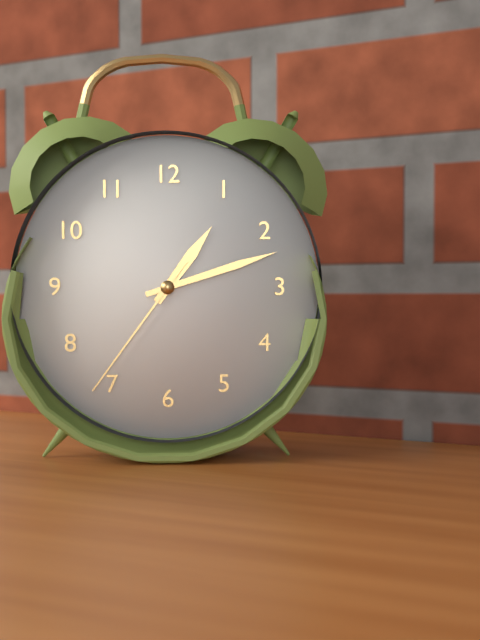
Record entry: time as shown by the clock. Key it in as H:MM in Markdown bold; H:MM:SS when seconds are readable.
**1:12:36**
